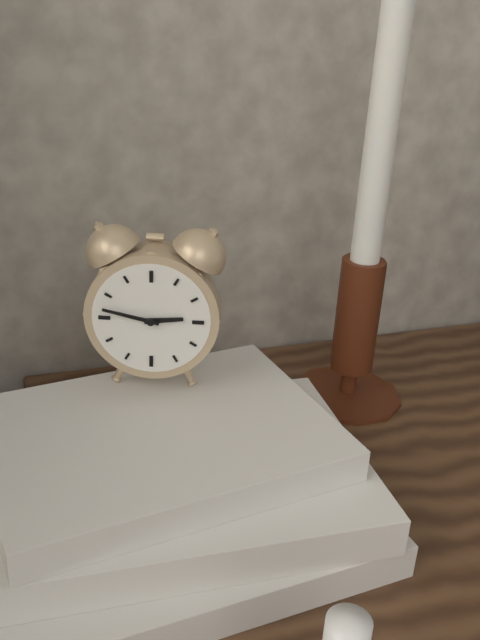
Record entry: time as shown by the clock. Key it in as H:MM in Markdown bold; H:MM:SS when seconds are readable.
**2:47**
